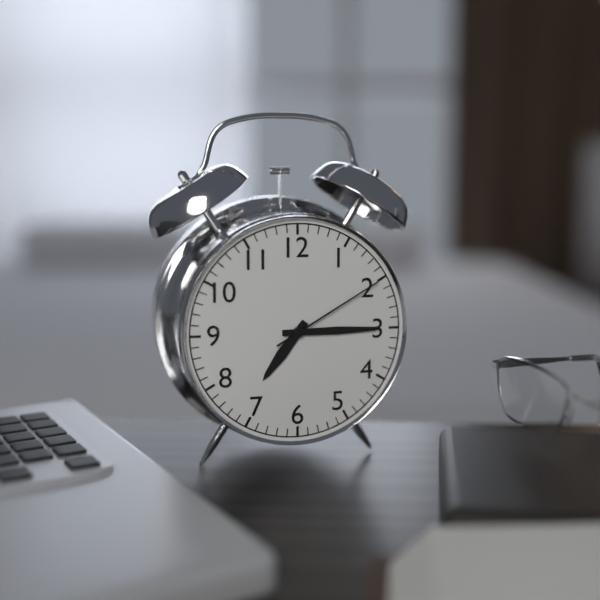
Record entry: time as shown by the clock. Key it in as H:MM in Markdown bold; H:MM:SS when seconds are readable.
**7:15:10**
